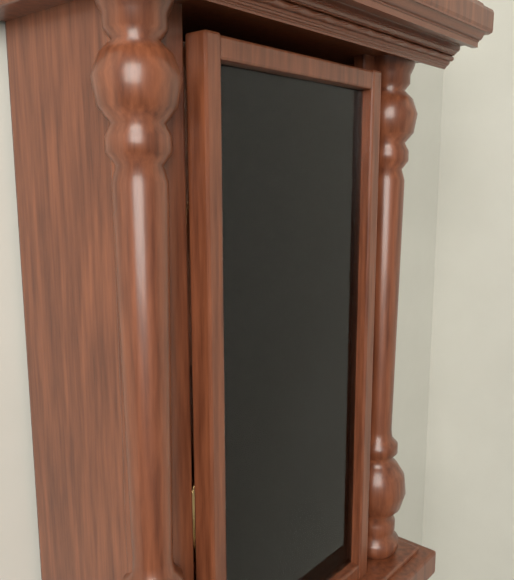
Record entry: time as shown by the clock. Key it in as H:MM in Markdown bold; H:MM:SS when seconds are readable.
**12:56**
